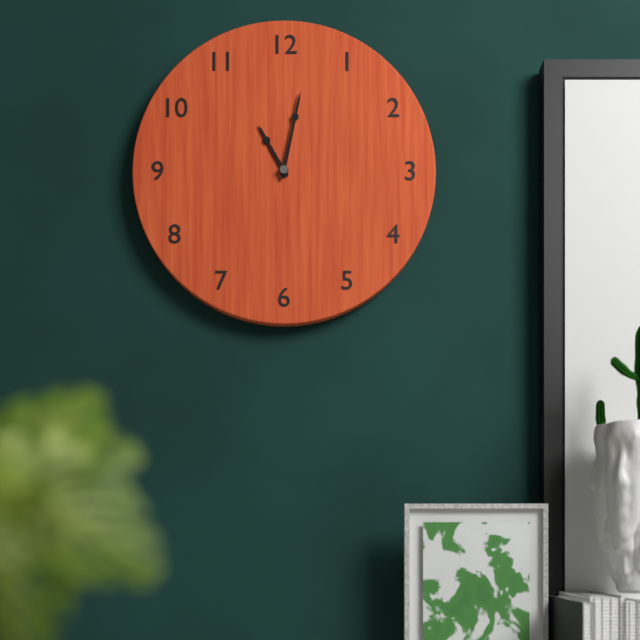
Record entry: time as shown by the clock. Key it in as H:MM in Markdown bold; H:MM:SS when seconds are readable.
**11:02**
